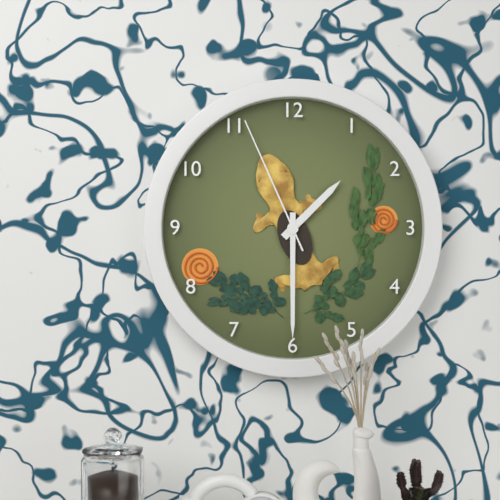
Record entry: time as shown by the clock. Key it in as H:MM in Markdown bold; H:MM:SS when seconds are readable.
**1:30:56**
